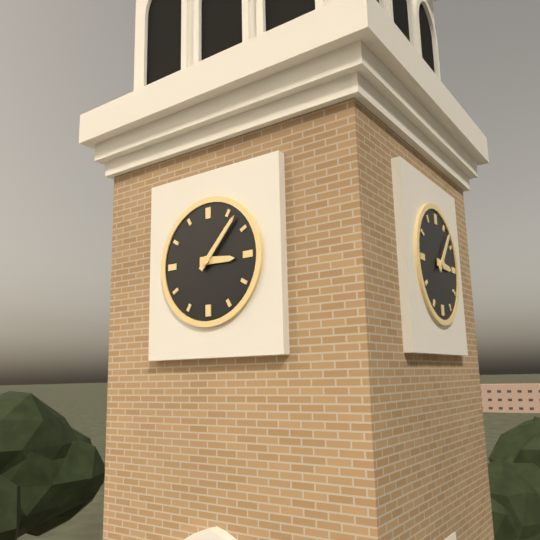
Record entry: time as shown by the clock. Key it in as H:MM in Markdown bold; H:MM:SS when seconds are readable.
**3:07**
